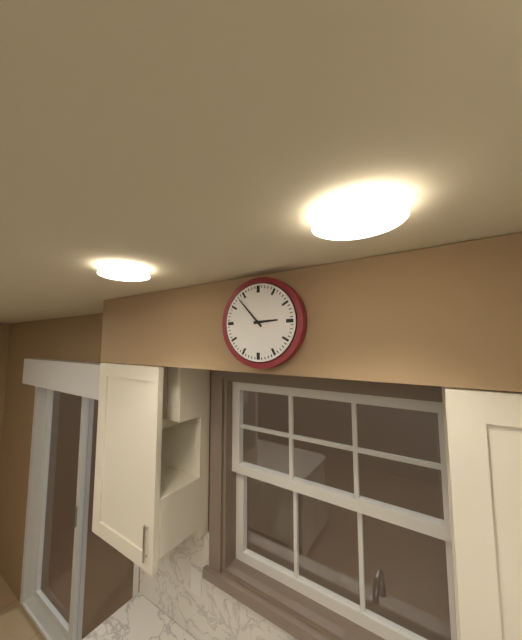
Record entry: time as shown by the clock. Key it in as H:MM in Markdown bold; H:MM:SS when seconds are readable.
**2:53**
